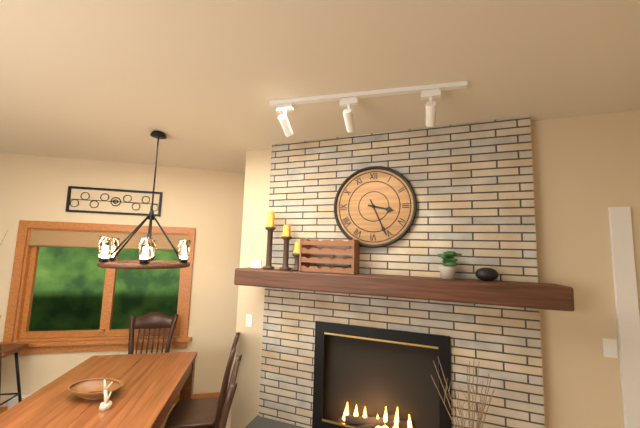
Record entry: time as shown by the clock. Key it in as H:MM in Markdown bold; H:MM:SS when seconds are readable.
**3:26**
